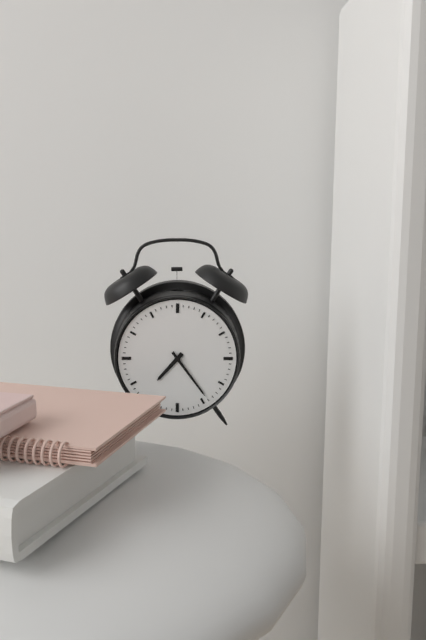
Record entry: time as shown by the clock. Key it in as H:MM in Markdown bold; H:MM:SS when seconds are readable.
**7:24**
